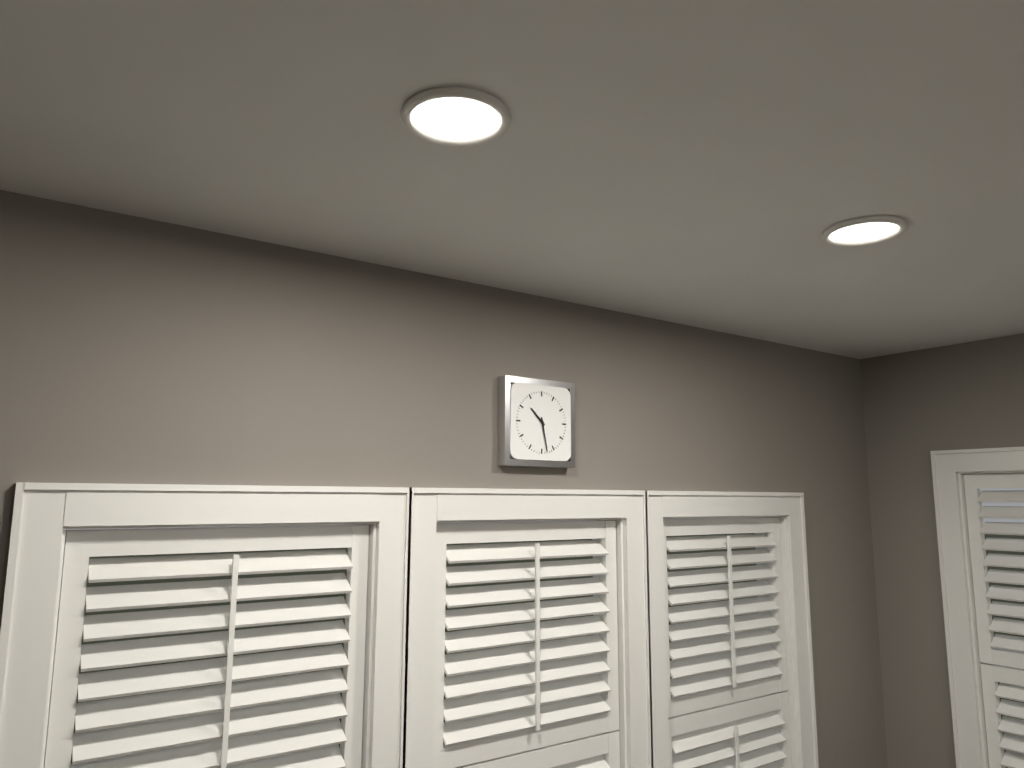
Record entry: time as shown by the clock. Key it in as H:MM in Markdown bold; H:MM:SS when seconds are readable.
**10:28**
